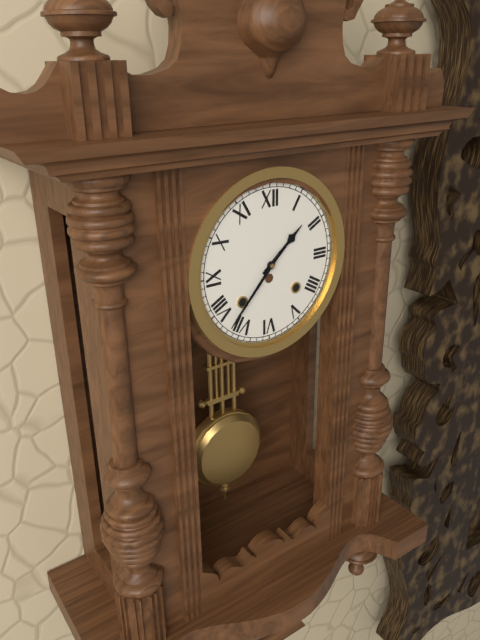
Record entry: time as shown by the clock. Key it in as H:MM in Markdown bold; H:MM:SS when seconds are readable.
**1:37**
